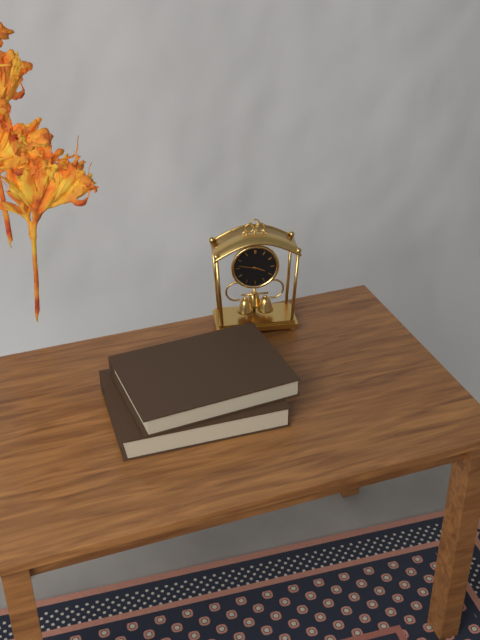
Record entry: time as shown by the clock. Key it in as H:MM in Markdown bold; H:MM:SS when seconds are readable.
**3:47**
